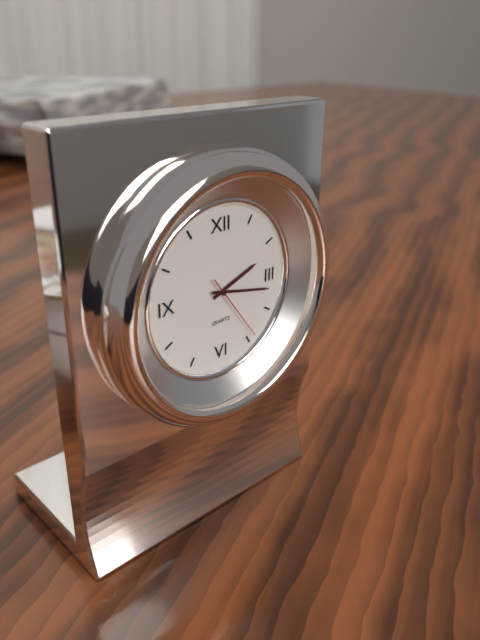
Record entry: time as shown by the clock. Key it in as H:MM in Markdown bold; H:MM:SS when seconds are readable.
**2:17:24**
